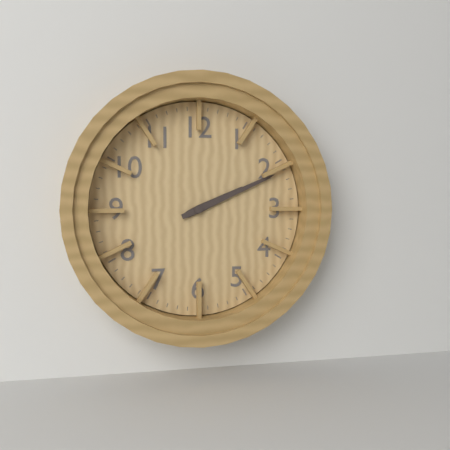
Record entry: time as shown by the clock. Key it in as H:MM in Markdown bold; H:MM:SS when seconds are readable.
**2:11**
